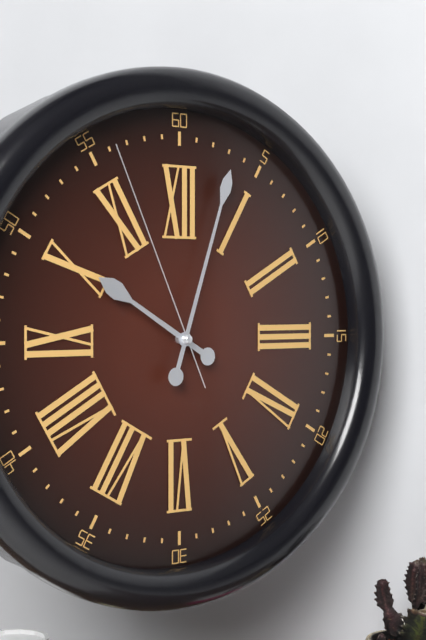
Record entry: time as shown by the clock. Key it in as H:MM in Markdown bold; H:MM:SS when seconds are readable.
**10:03:56**
